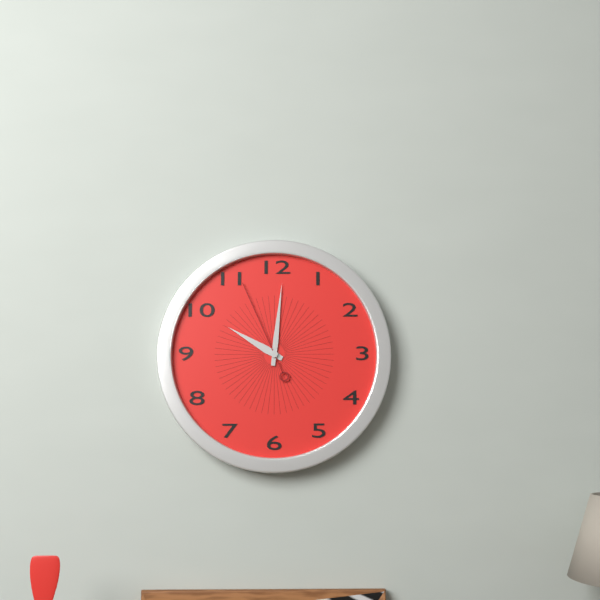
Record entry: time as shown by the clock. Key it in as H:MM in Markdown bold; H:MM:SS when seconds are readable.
**10:01:56**
